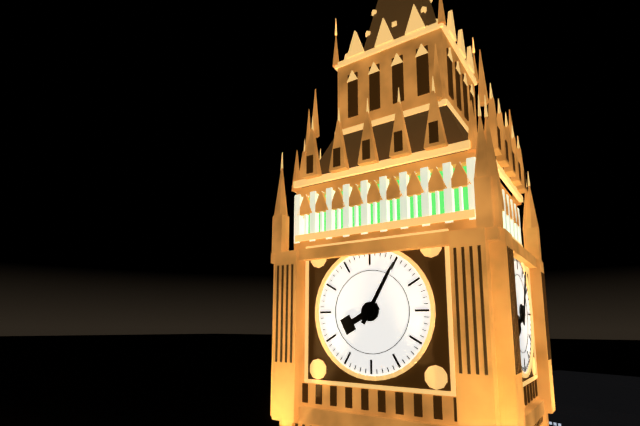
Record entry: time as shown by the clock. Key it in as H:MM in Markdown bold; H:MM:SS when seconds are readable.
**8:05**
